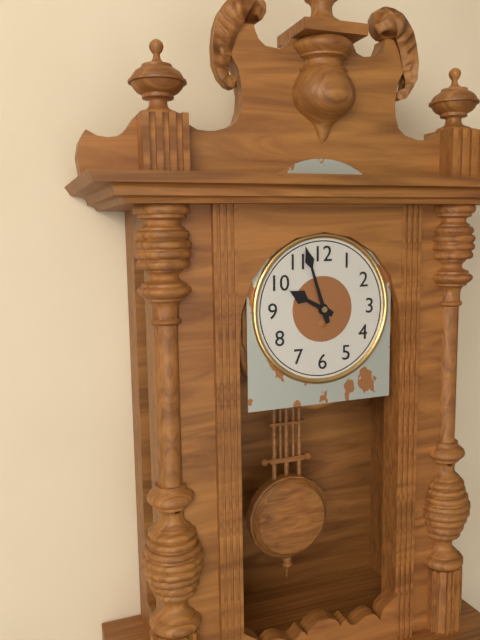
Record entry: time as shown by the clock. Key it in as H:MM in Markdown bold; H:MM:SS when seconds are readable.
**9:57**
